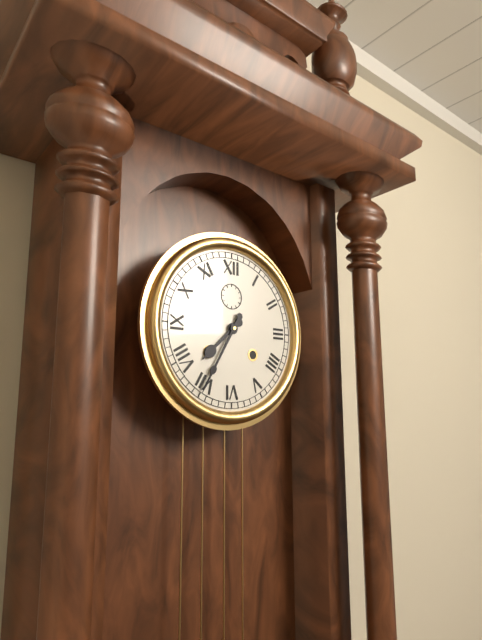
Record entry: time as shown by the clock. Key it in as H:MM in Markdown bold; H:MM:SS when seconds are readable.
**7:35**
